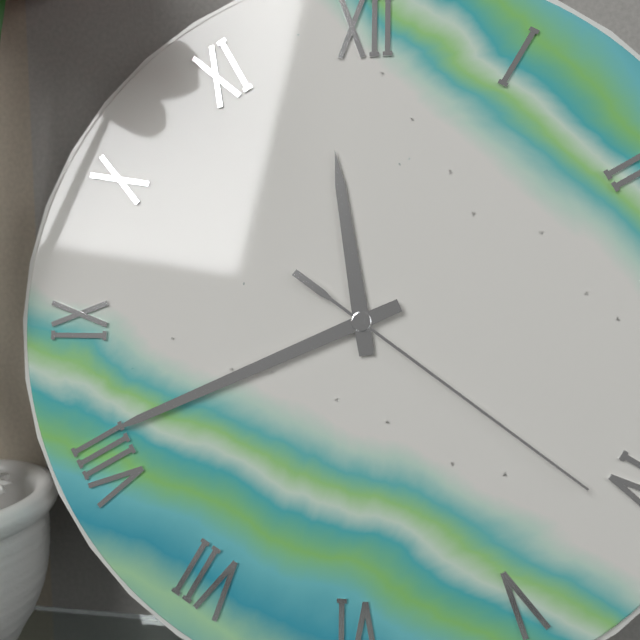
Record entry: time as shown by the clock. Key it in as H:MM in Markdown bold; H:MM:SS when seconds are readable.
**11:41:21**
